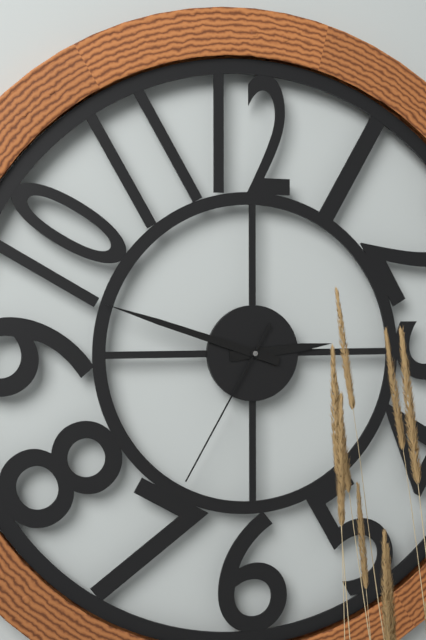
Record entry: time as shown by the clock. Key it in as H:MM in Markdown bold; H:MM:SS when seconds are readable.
**2:48:35**
